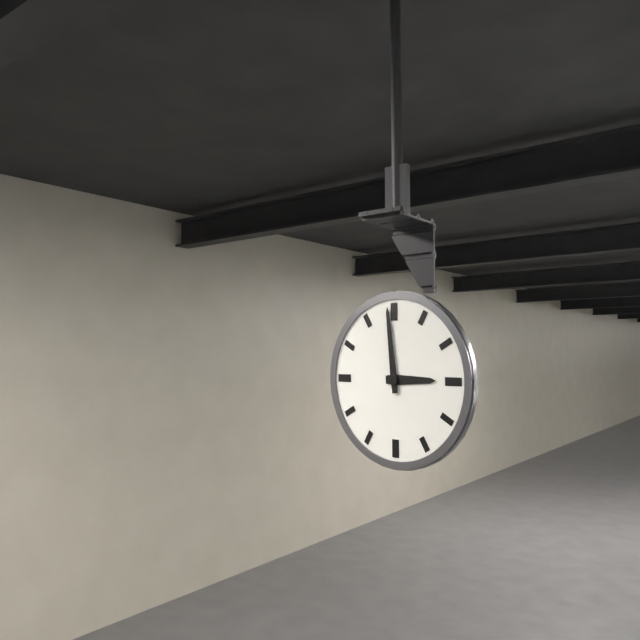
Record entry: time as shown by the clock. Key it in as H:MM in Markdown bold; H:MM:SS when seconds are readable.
**2:59**
